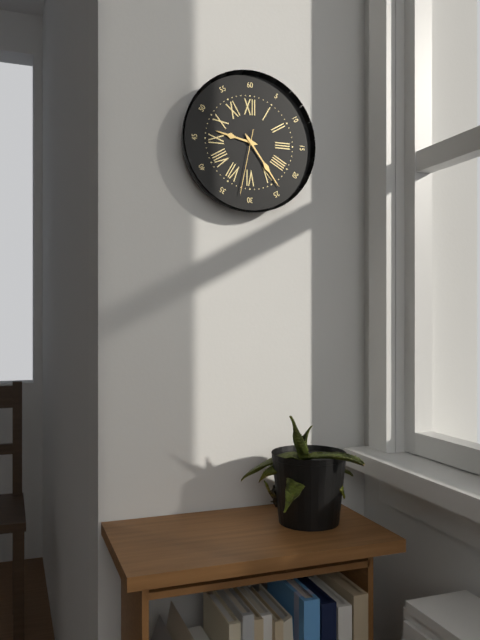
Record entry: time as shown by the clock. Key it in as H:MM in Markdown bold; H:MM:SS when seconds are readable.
**9:24:32**
